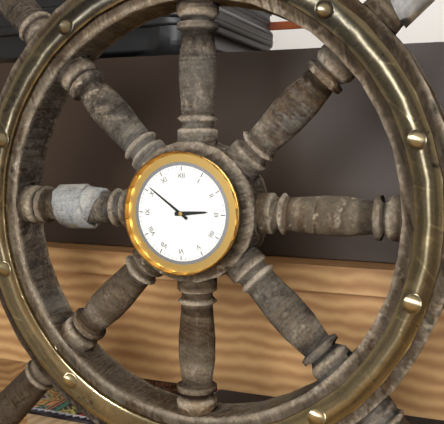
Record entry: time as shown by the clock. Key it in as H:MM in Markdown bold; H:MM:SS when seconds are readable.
**2:51**
